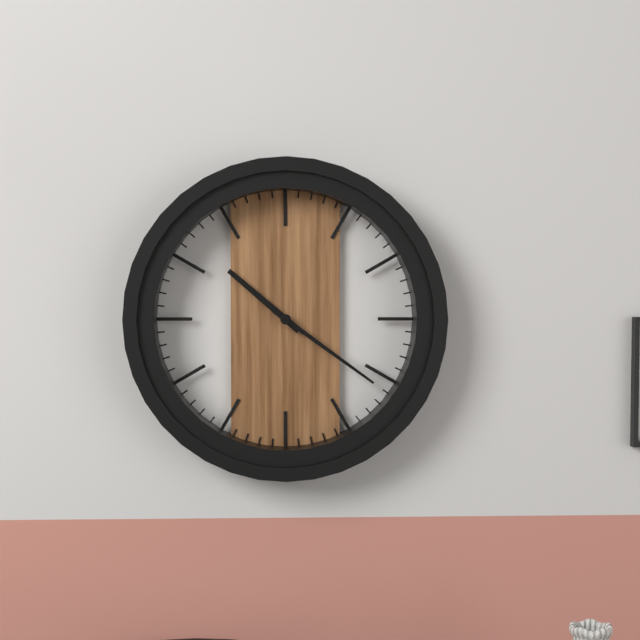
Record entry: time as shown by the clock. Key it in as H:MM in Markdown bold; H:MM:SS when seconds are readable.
**10:21**
